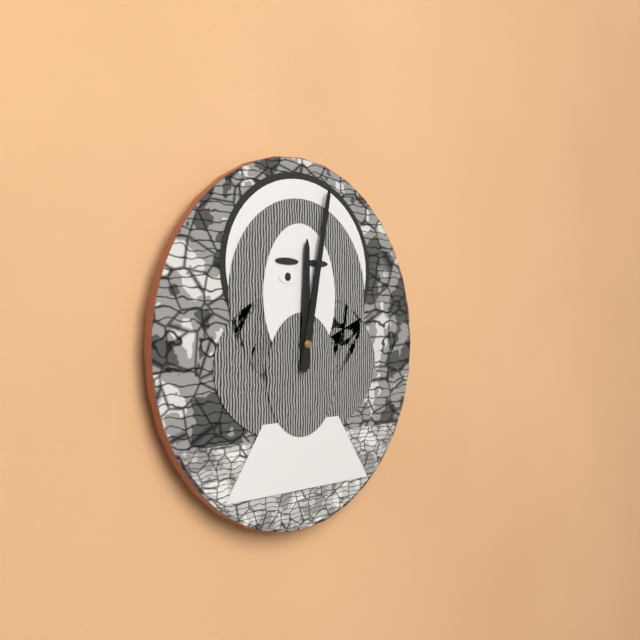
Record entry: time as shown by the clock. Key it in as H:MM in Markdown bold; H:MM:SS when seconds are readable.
**12:02**
